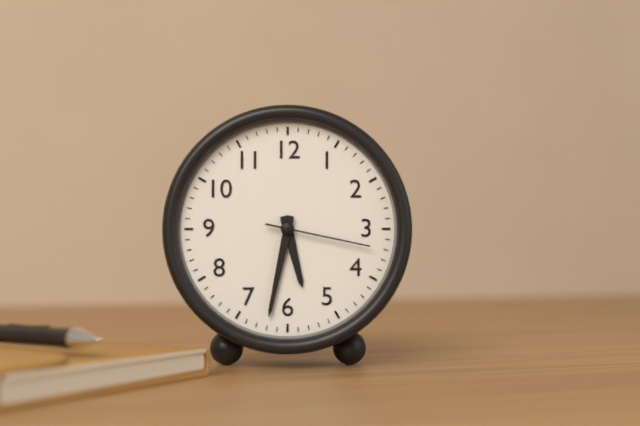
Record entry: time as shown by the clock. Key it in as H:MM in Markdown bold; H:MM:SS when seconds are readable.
**5:32:17**
